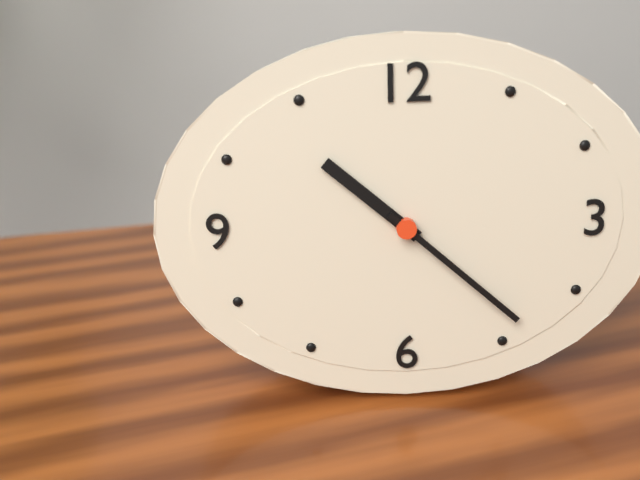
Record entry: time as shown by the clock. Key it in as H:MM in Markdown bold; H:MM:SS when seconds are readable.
**10:22**
